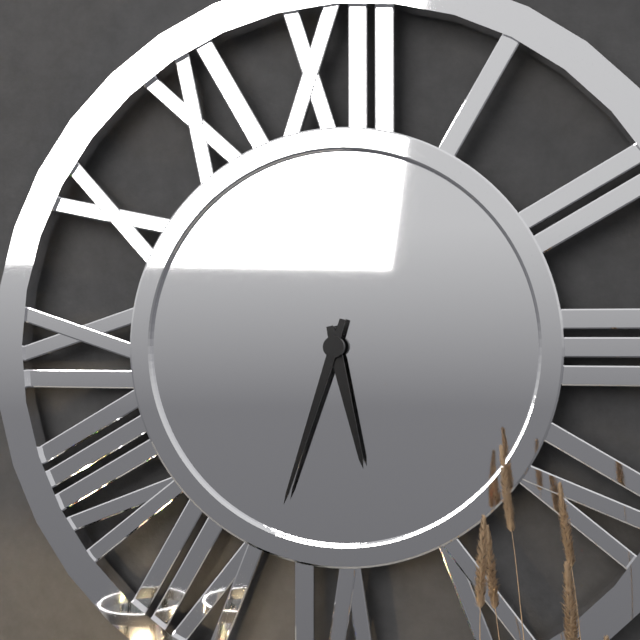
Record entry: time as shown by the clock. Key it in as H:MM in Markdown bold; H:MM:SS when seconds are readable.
**5:33**
